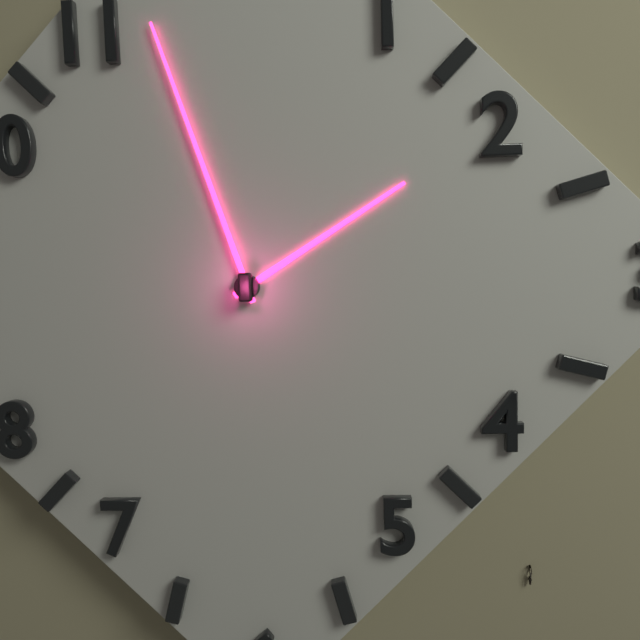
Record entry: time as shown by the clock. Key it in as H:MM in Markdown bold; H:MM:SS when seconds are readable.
**1:57**
